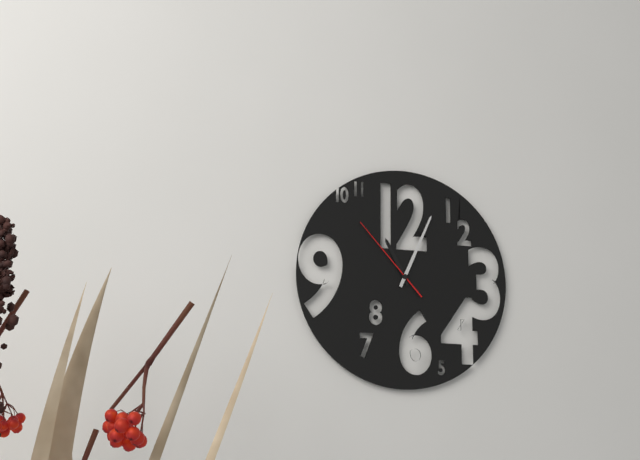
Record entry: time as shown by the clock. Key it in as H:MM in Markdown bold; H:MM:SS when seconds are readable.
**11:04:53**
